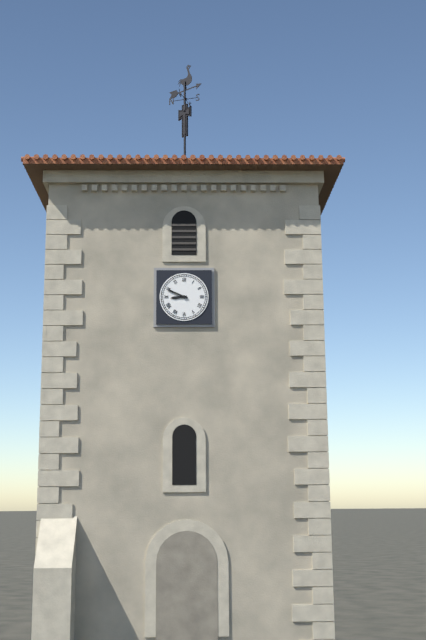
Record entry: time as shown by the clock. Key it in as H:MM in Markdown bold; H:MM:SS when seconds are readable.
**8:49**
